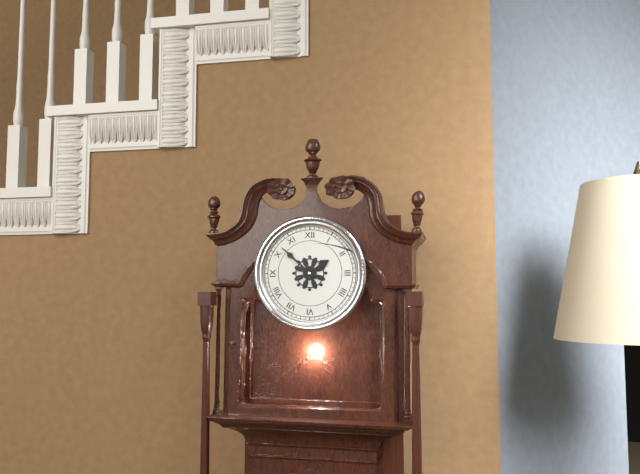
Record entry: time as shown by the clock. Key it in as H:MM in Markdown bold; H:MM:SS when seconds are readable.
**1:52**
